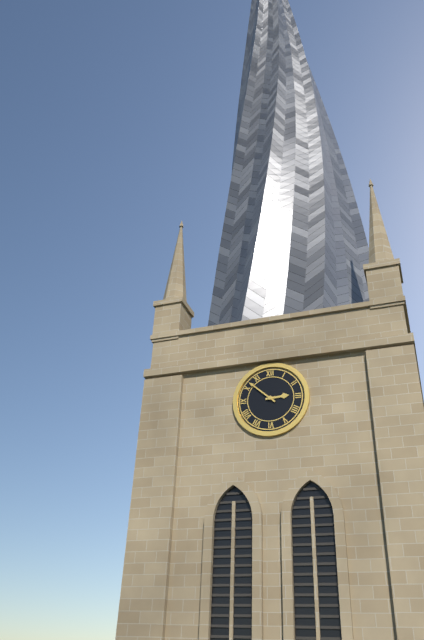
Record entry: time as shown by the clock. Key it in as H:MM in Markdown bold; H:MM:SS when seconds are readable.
**2:52**
